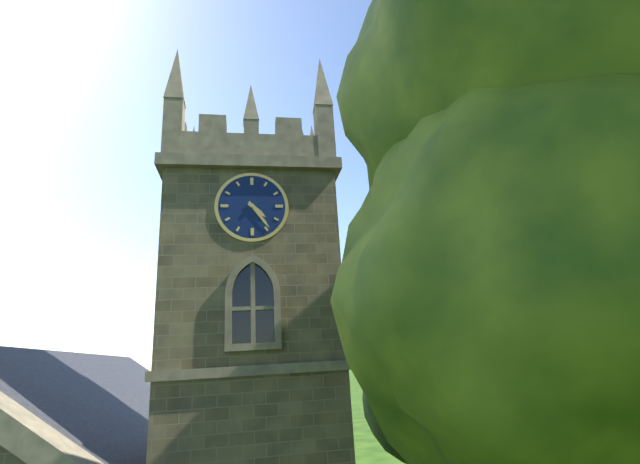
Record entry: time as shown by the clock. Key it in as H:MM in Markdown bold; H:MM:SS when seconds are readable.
**4:24**
